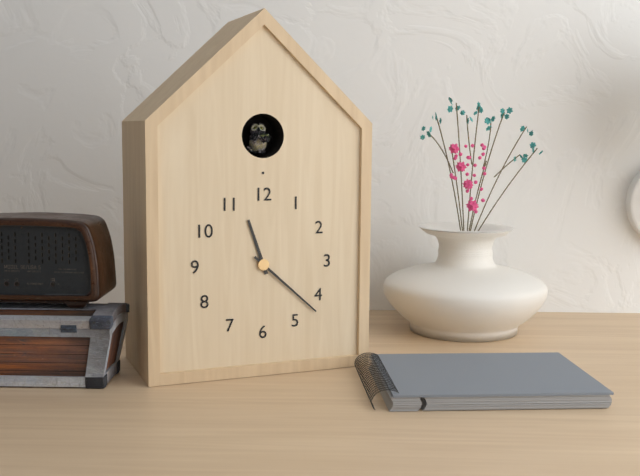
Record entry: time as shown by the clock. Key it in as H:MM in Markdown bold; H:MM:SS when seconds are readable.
**11:22**
